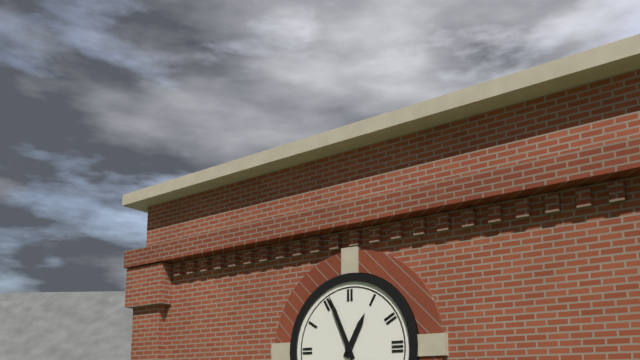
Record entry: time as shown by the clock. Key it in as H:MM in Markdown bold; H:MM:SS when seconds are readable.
**12:56**
